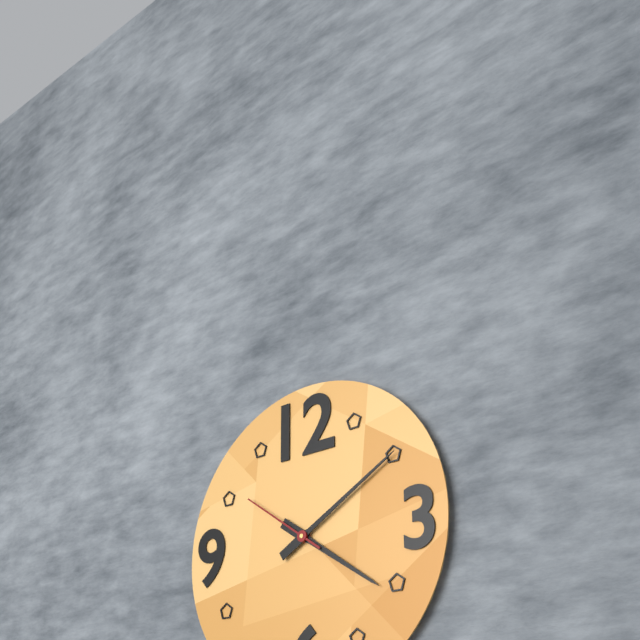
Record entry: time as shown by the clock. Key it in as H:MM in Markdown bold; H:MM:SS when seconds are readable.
**4:10:51**
